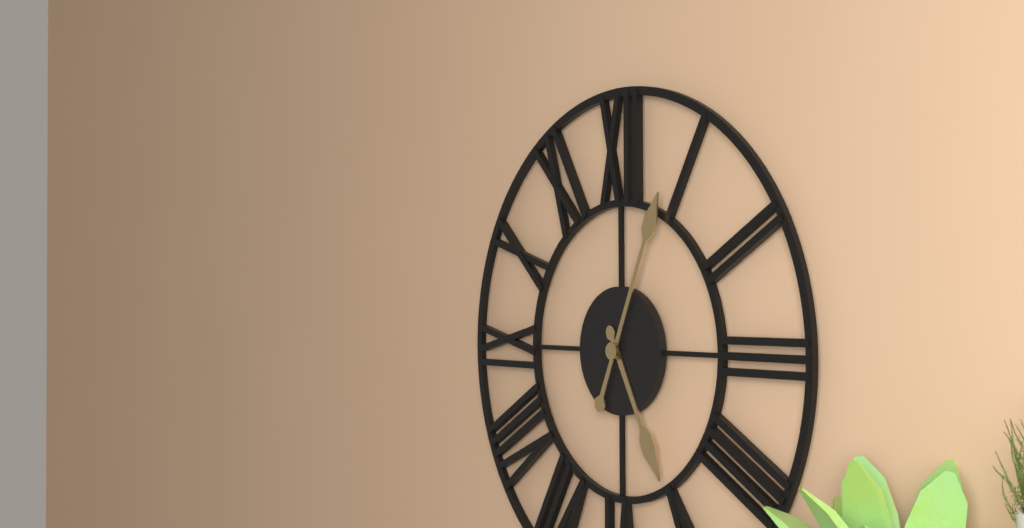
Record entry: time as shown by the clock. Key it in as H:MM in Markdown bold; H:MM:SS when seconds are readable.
**5:04**
